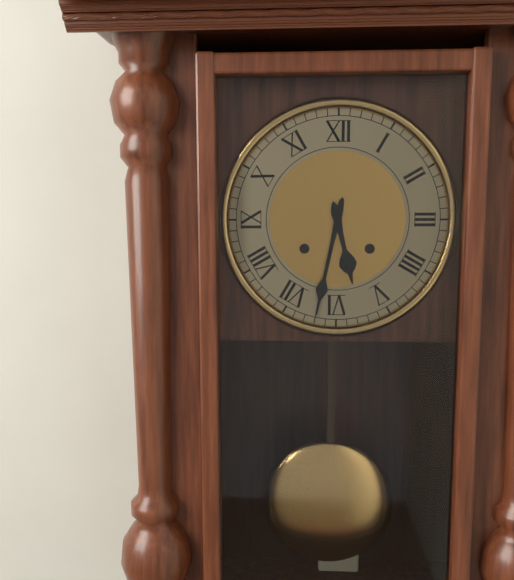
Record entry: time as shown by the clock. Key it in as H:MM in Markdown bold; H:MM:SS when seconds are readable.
**5:32**
